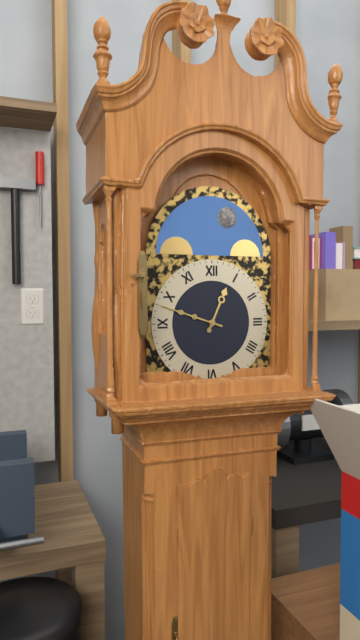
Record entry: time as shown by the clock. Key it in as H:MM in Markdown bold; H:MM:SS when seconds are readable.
**12:48**
